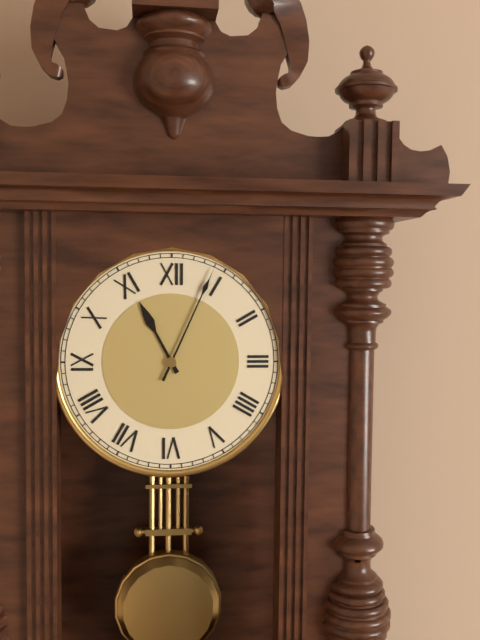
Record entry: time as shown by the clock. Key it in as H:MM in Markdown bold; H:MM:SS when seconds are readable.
**11:04**
